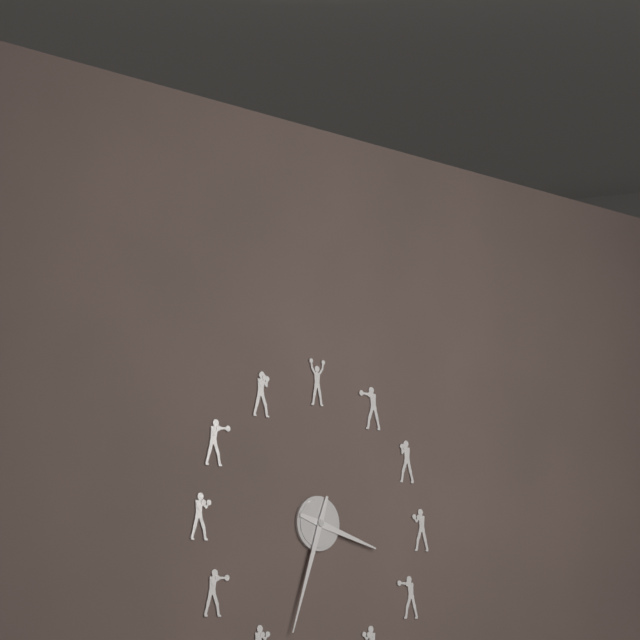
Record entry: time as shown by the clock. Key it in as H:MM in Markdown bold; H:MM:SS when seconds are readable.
**3:33**
